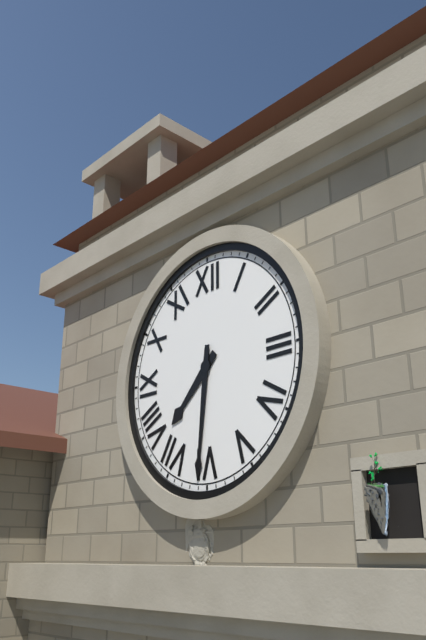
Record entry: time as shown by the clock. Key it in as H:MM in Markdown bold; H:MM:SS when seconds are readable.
**7:31**
